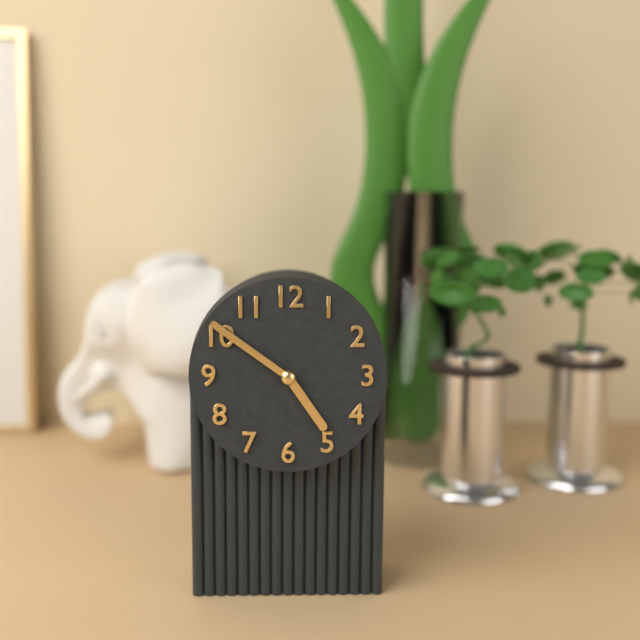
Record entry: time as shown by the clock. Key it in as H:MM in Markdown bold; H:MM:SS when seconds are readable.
**4:51**
